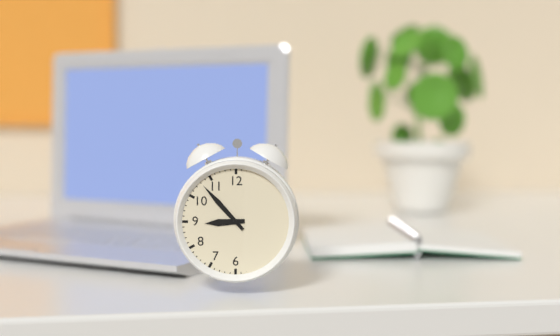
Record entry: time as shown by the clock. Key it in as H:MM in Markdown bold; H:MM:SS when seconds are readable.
**8:53**
